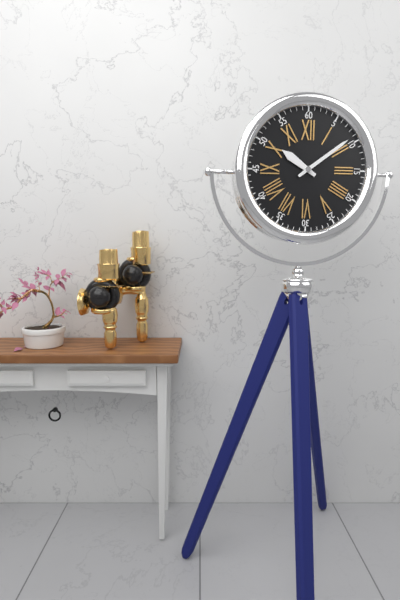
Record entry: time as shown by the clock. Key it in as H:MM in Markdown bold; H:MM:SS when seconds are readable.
**10:09**
